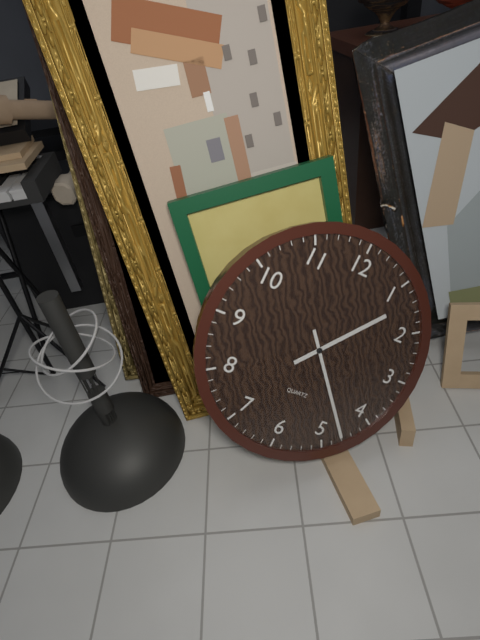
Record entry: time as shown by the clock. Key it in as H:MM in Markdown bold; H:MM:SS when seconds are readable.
**1:23**
